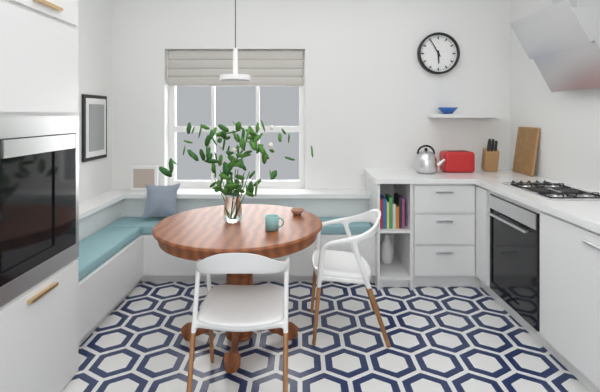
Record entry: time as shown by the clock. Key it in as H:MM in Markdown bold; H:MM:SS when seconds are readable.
**5:55**
